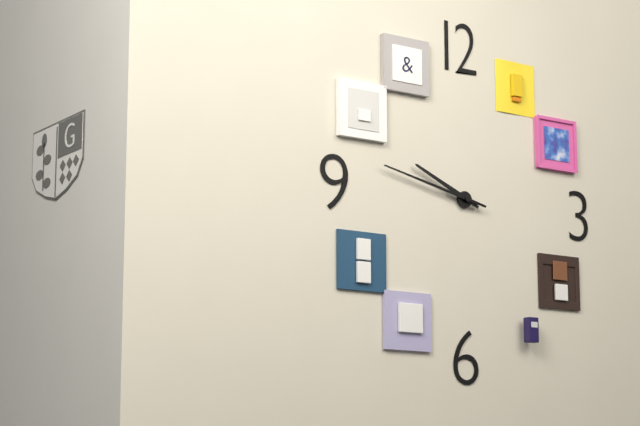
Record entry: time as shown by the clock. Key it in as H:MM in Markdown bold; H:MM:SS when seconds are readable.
**9:47**
